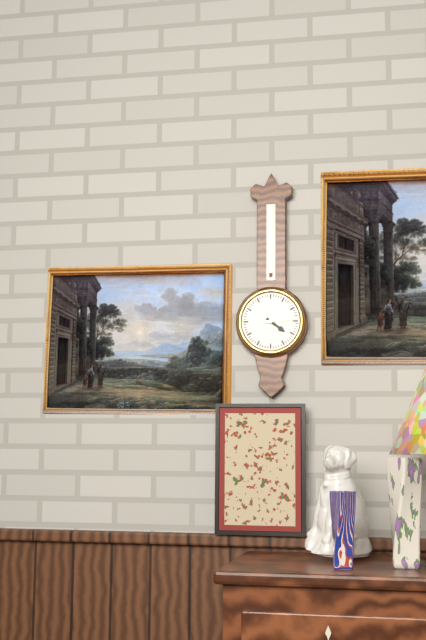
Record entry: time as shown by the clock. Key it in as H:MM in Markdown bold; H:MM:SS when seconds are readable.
**4:14**
